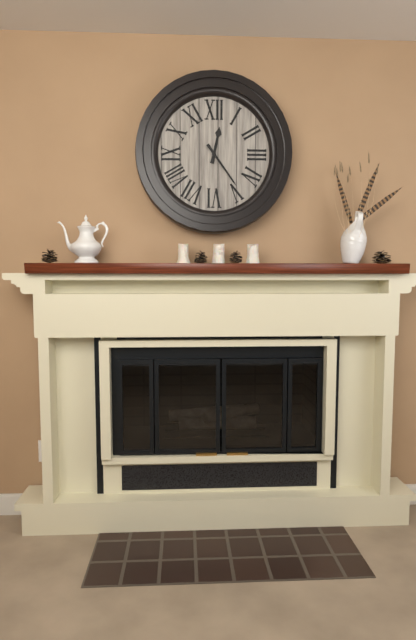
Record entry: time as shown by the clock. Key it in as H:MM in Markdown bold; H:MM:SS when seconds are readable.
**12:24**
